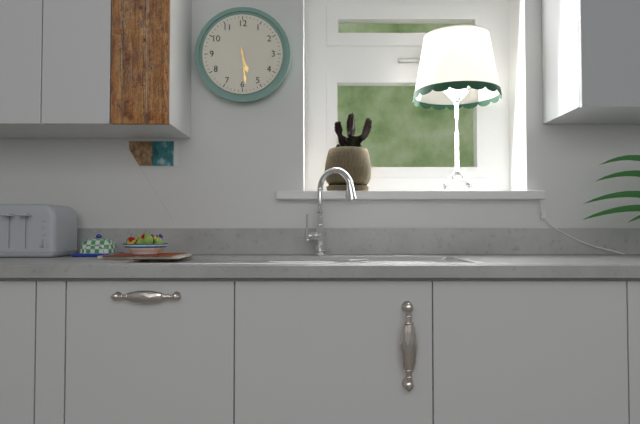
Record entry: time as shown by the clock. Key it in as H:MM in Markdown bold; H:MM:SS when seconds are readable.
**5:29**
